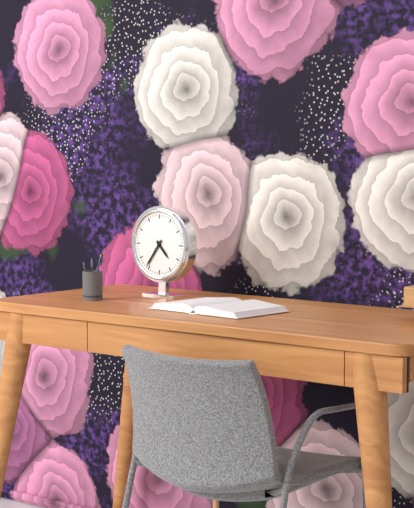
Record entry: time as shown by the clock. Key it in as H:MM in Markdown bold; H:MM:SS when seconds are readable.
**4:36**
